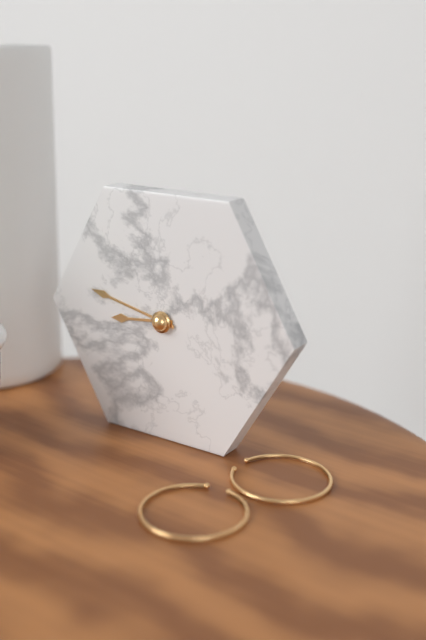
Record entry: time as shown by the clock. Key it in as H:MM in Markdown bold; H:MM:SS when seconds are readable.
**8:47**
